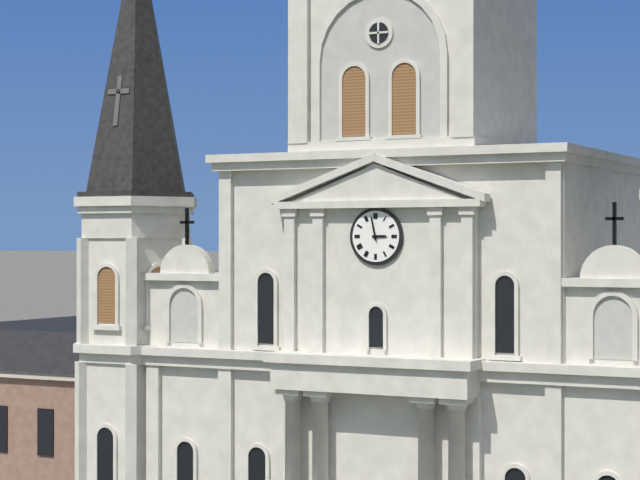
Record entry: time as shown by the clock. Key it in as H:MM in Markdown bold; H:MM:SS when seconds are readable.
**2:58**
